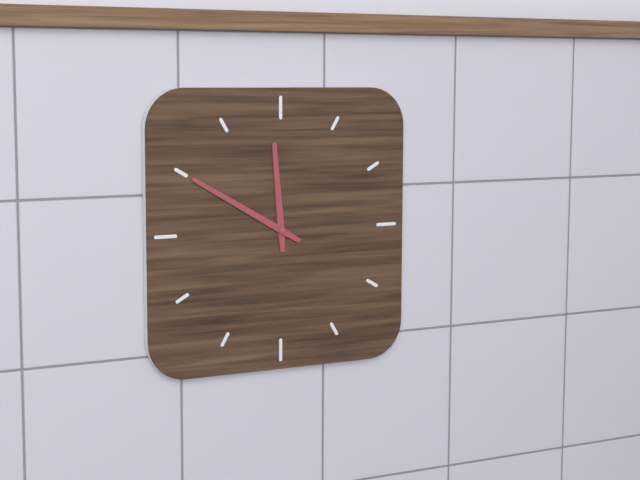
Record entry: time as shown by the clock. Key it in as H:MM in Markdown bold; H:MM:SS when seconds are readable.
**11:50**
